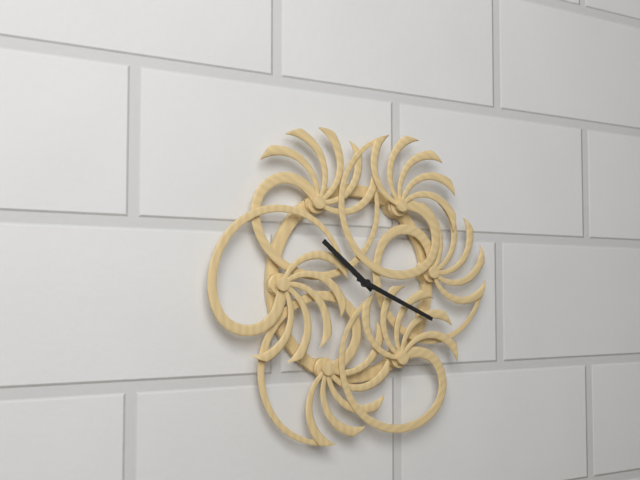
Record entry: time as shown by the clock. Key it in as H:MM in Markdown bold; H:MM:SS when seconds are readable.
**10:19**
